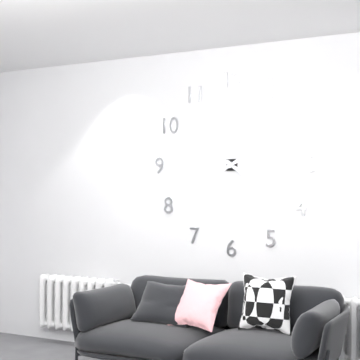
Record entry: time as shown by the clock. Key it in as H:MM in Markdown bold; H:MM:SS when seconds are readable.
**4:10**
